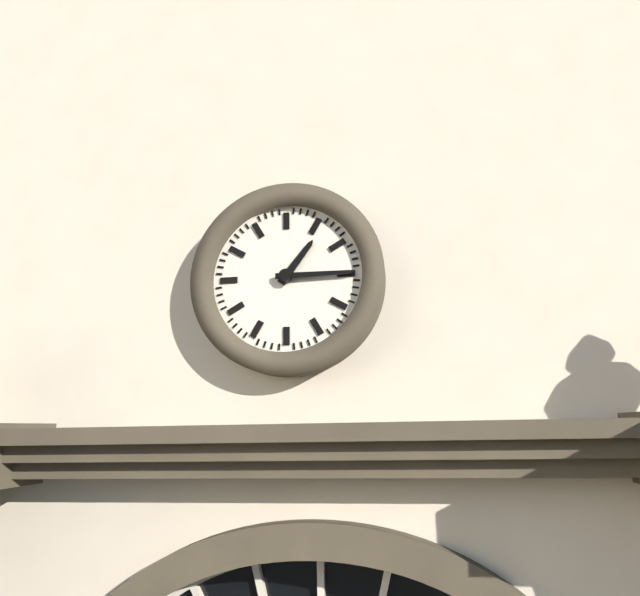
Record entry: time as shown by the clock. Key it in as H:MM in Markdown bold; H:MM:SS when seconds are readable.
**1:15**
